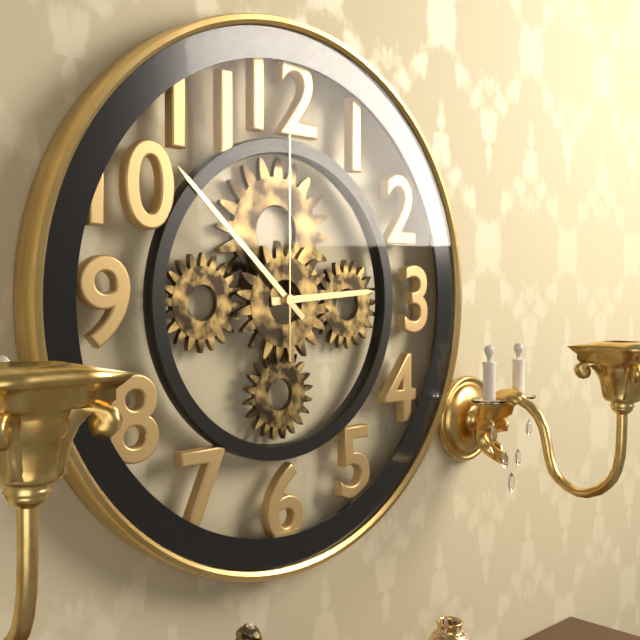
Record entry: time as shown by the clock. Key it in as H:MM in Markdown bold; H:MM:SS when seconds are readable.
**2:52:00**
